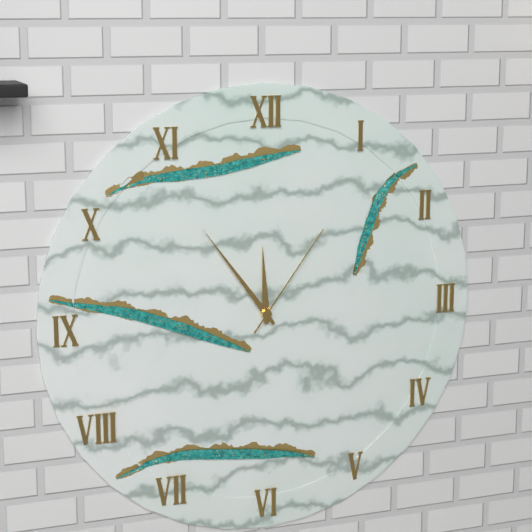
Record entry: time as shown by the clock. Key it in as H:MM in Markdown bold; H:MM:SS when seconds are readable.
**11:54:06**
